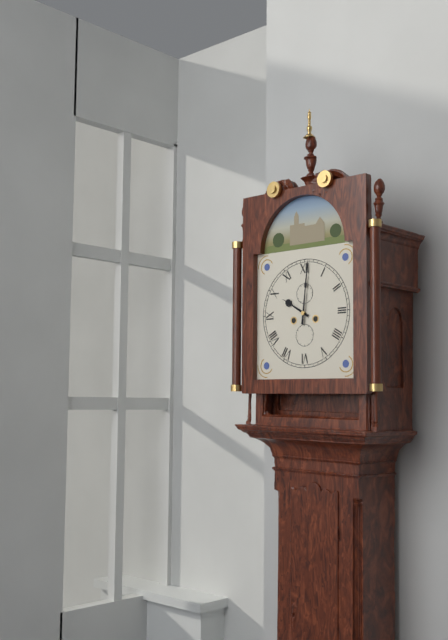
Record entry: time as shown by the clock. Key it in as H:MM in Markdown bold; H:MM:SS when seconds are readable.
**10:01**
